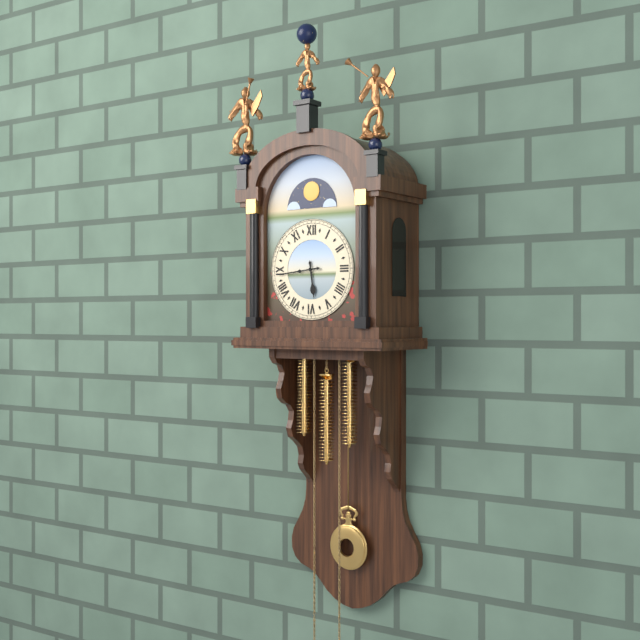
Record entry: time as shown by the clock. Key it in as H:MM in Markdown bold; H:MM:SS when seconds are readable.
**5:44**
